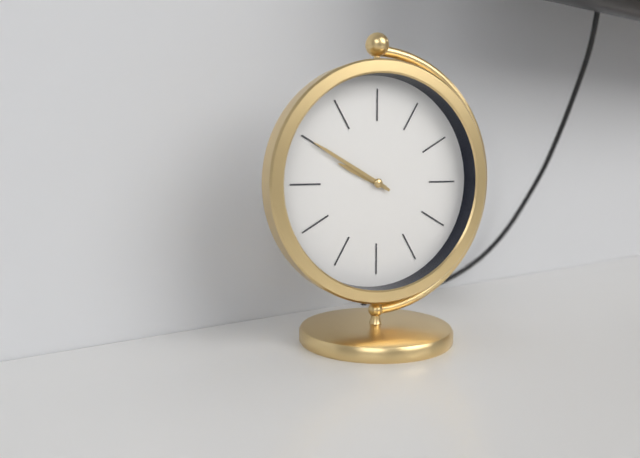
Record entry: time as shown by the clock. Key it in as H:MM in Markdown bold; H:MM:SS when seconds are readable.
**9:50**
